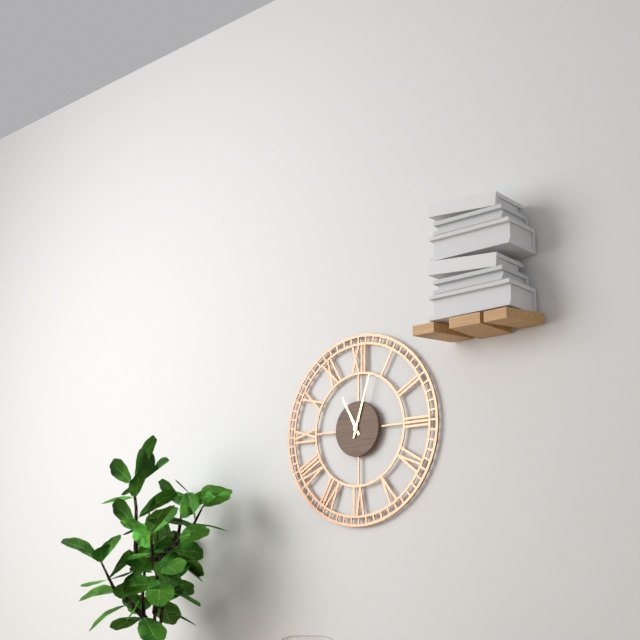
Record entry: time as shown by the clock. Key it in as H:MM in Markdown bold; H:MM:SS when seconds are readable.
**11:03**
